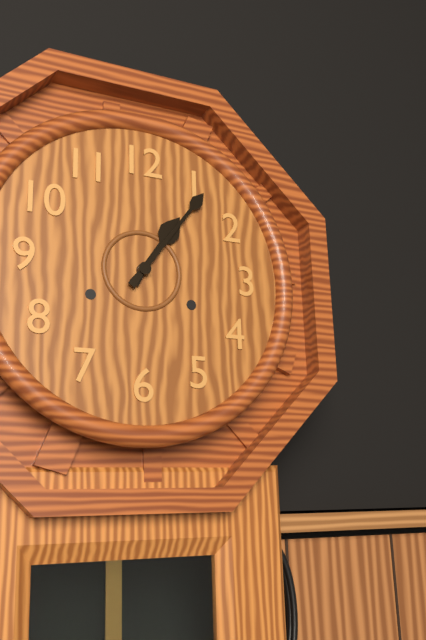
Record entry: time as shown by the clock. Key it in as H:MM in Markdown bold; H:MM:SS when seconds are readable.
**1:06**
